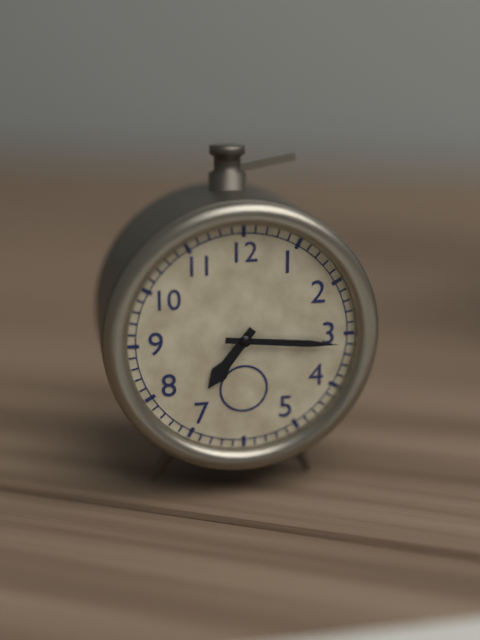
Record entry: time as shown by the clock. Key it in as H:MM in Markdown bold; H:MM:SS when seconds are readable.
**7:16**
